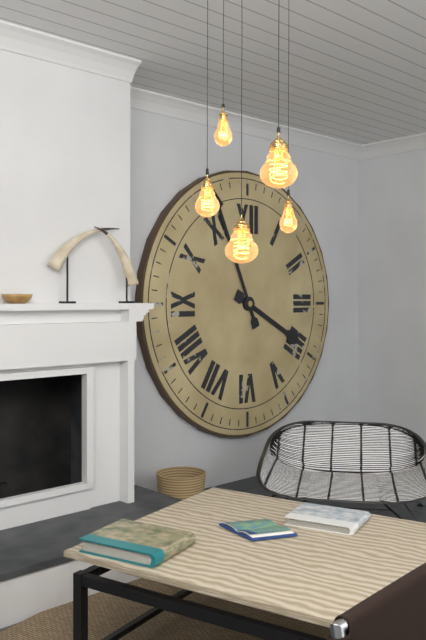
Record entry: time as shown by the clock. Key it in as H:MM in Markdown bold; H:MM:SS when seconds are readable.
**3:56**
